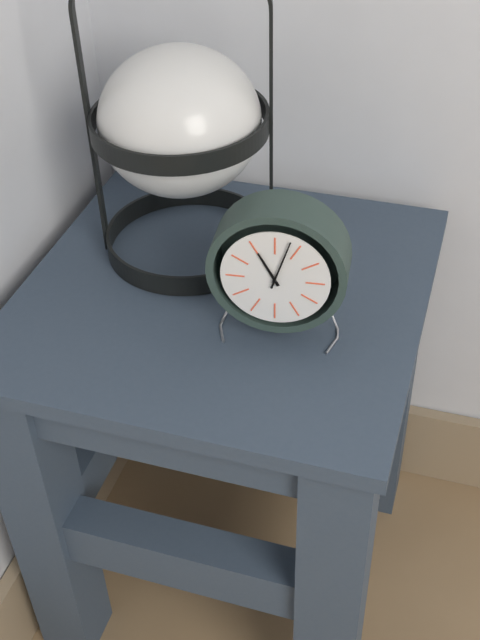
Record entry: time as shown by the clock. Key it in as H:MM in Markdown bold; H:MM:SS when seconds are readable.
**11:03**
